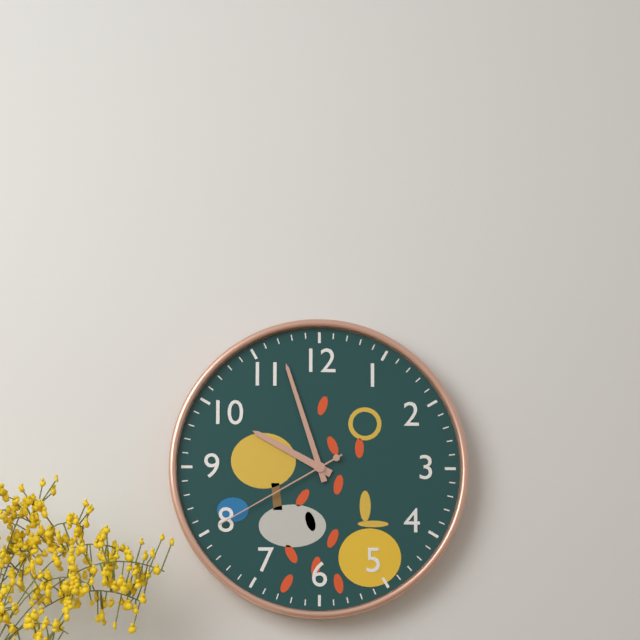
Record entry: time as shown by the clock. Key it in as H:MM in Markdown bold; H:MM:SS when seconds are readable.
**9:57:40**
